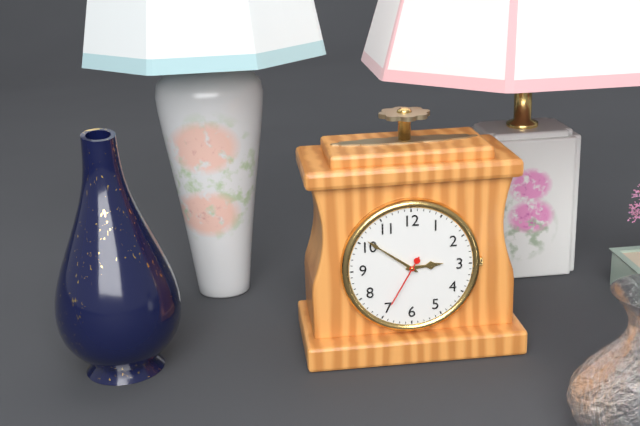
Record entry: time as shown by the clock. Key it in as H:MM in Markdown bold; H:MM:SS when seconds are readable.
**2:51:35**
